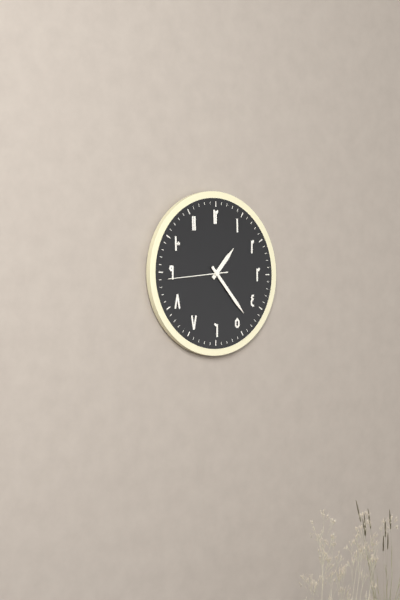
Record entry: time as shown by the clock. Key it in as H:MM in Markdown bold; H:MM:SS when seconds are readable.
**1:23:44**
